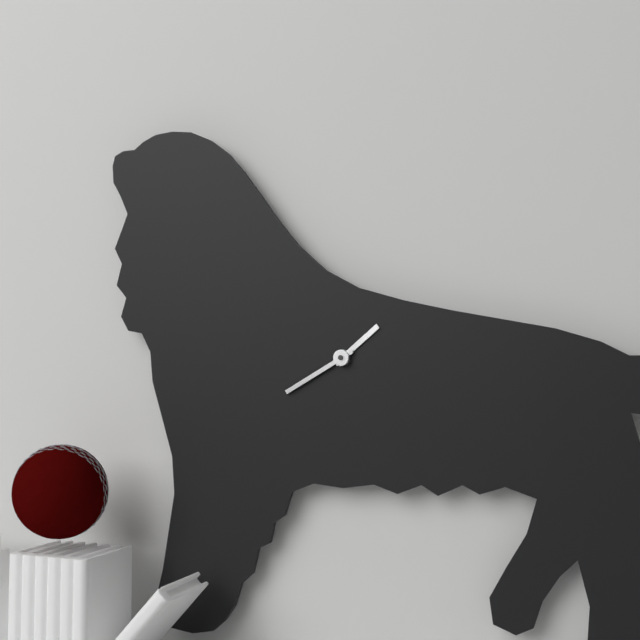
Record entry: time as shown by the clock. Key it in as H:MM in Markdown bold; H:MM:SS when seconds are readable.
**1:40**
